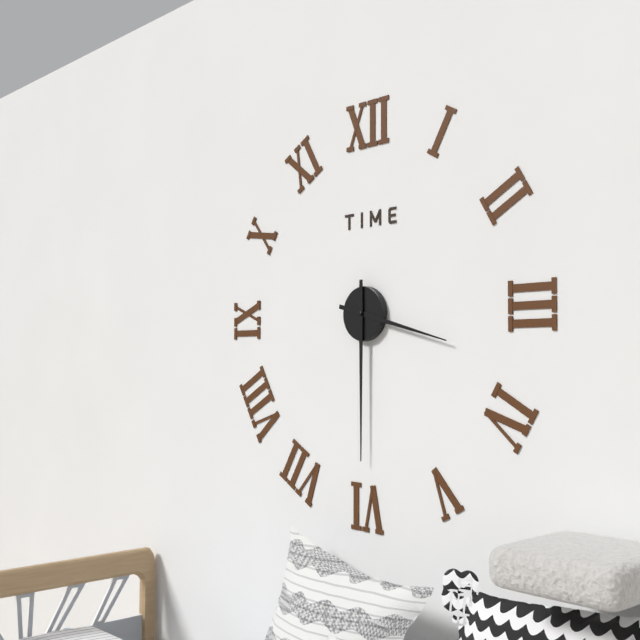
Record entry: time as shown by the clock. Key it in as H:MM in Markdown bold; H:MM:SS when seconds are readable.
**3:30**
